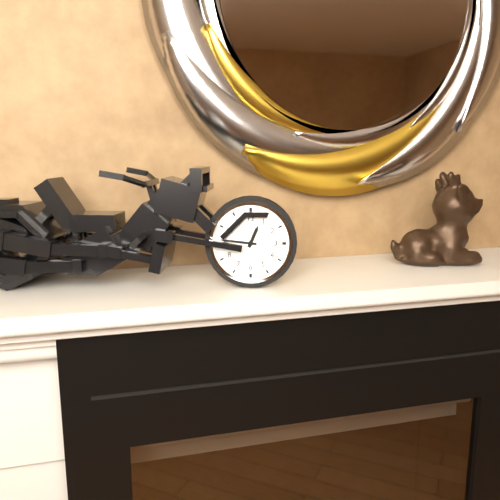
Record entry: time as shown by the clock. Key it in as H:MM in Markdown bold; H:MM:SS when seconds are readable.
**12:46**
